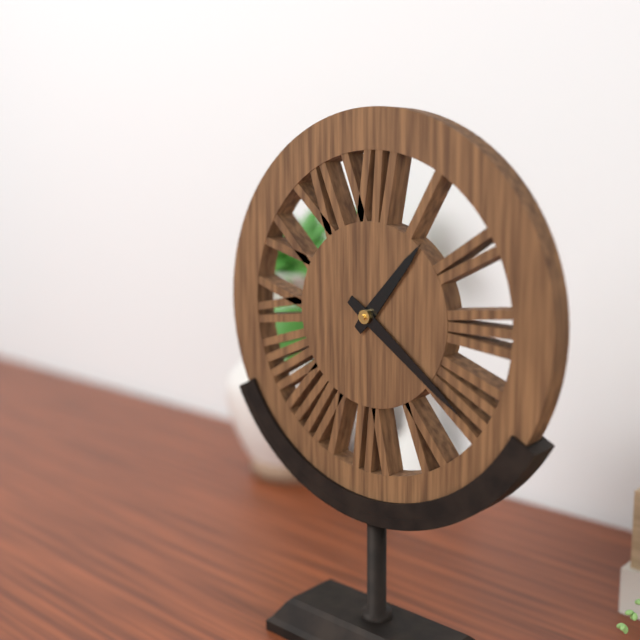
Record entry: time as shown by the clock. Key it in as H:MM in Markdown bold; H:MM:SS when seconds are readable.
**1:21**
